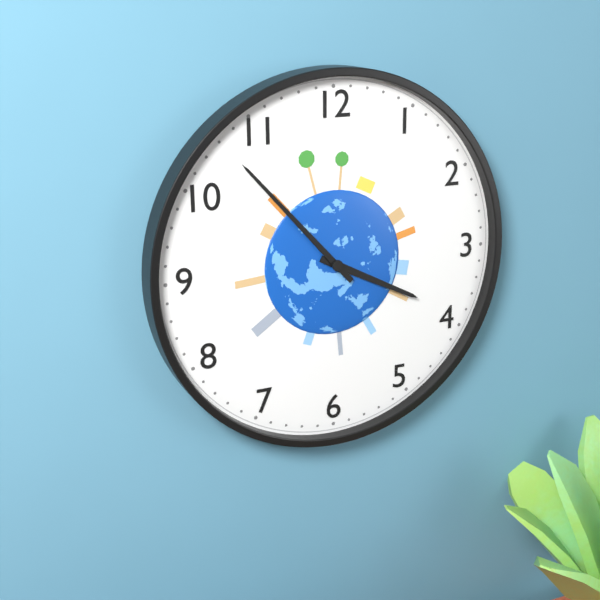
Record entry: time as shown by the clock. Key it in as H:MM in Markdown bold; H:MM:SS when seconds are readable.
**3:53**
